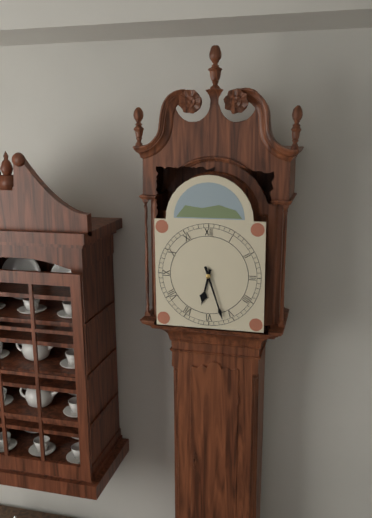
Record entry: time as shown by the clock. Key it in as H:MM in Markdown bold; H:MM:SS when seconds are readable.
**6:27**
